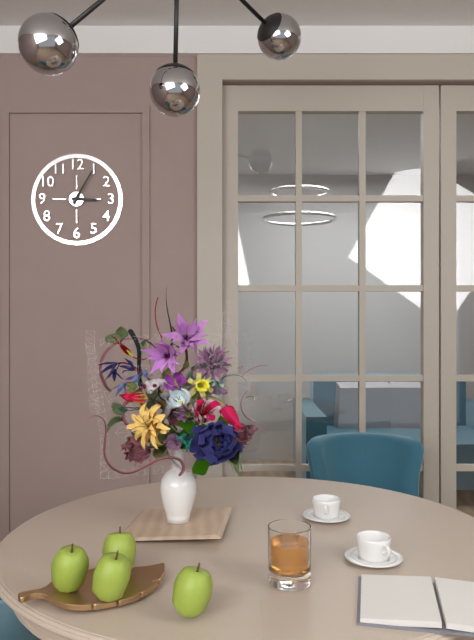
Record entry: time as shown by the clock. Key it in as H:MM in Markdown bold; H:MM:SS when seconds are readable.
**3:05**
